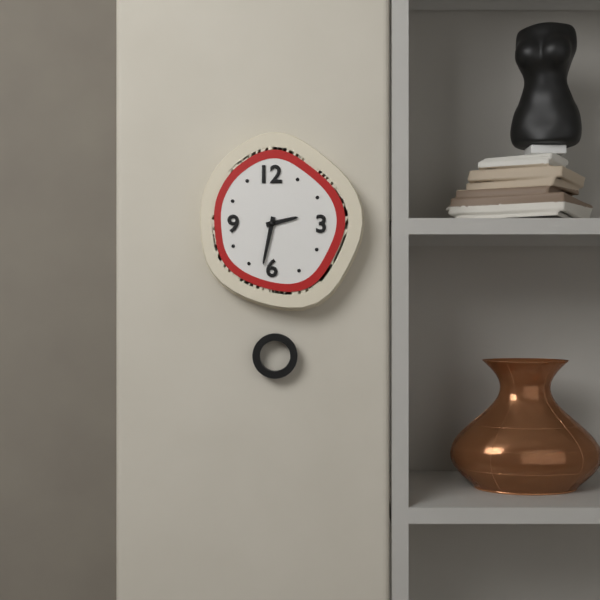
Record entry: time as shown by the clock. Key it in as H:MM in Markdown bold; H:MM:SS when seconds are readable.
**2:32**
